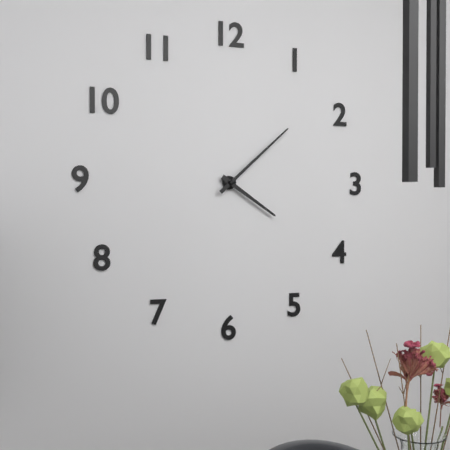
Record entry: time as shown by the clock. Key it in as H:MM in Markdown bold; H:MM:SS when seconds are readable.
**4:08**
